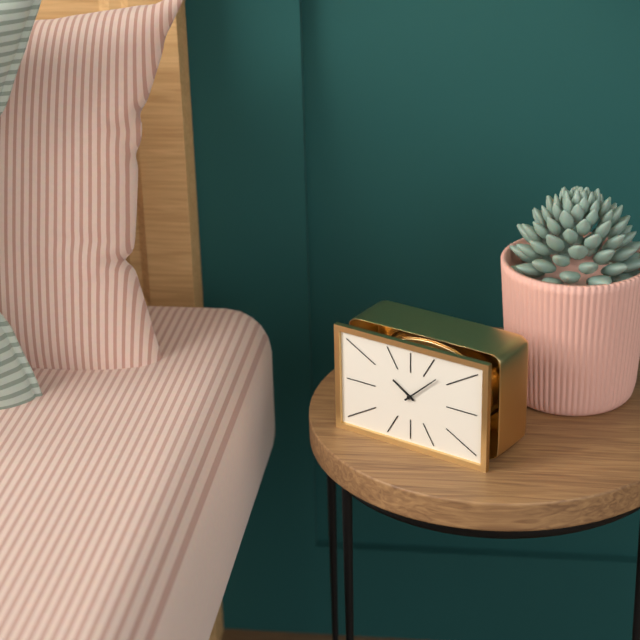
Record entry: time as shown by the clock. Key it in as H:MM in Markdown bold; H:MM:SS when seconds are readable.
**10:08**
